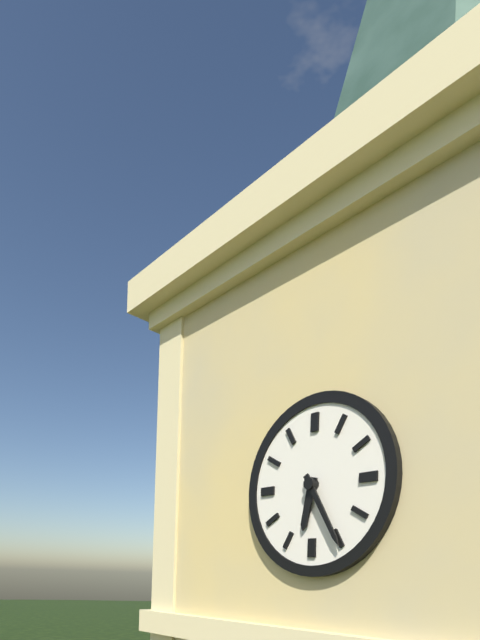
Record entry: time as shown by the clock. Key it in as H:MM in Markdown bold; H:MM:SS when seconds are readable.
**6:25**
